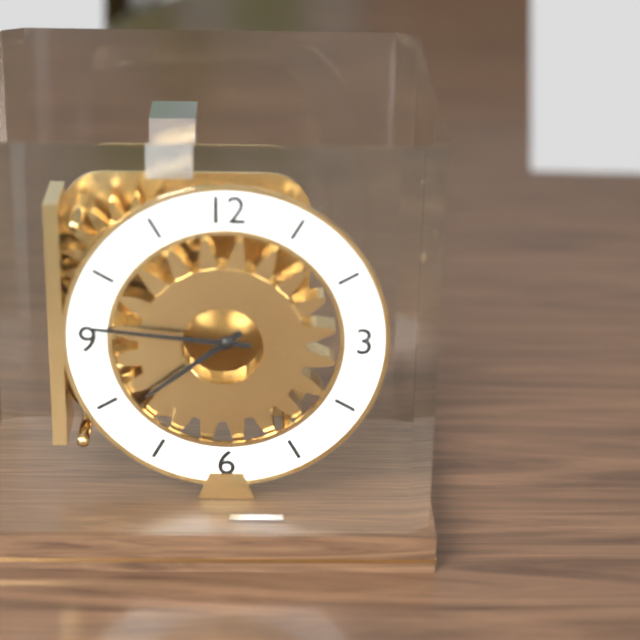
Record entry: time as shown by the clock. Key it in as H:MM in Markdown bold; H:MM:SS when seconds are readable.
**7:46**
